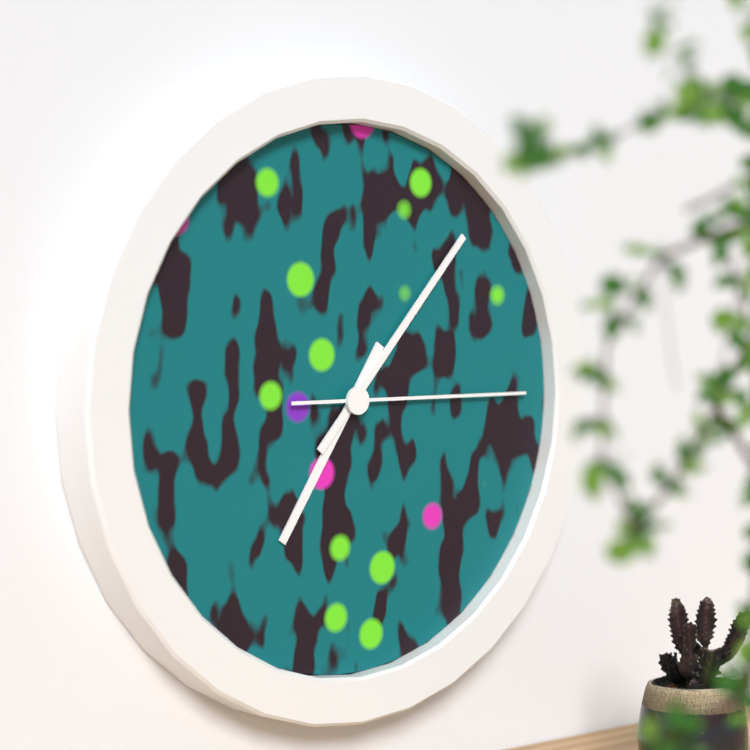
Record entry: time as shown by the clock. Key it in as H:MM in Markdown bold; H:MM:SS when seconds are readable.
**7:07:15**
